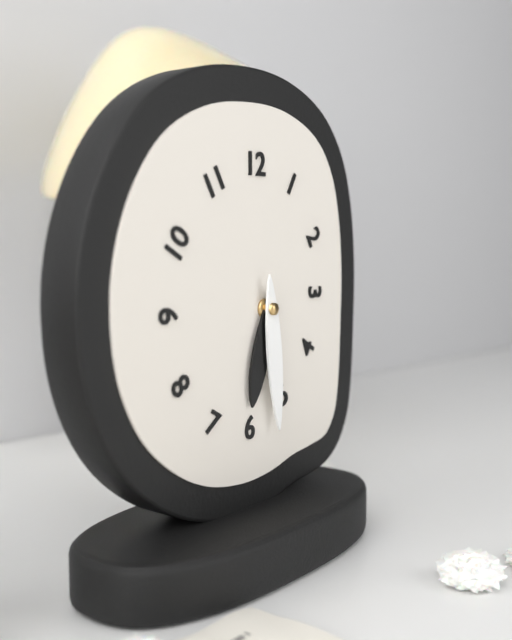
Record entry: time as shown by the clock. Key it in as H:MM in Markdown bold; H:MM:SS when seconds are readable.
**6:29**
